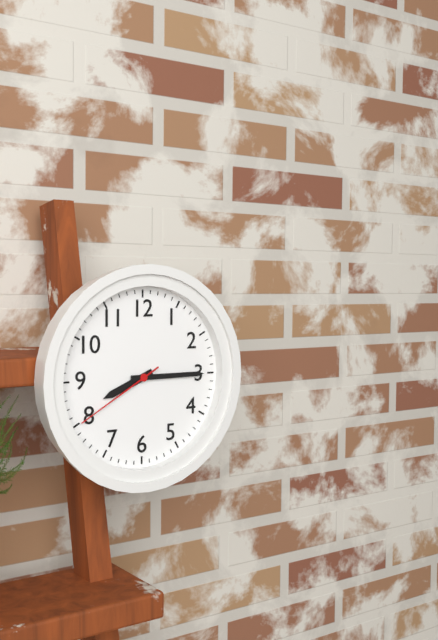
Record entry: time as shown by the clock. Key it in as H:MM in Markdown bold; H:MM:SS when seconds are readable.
**8:15:40**
